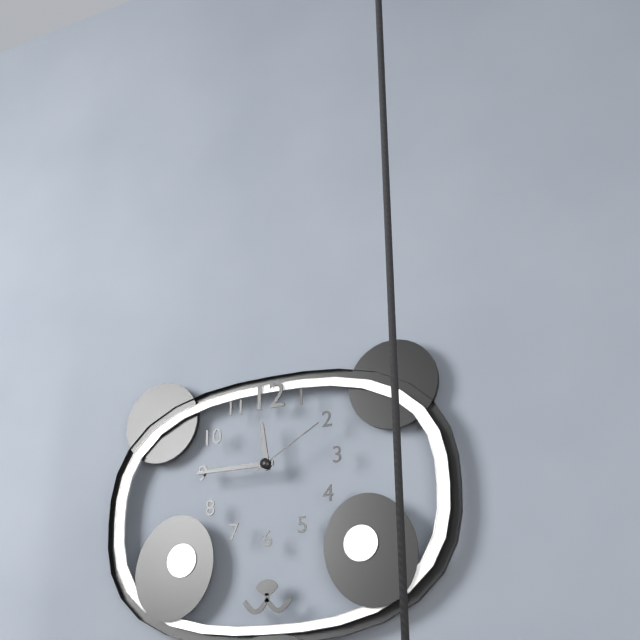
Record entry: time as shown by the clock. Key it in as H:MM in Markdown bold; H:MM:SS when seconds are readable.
**11:45:10**
